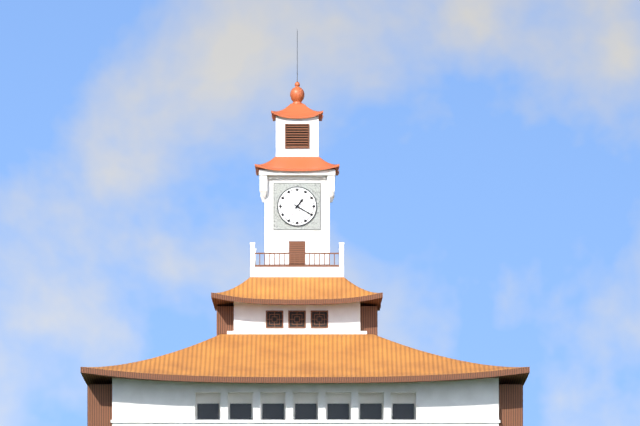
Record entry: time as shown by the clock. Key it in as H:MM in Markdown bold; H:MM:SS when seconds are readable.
**1:20**
